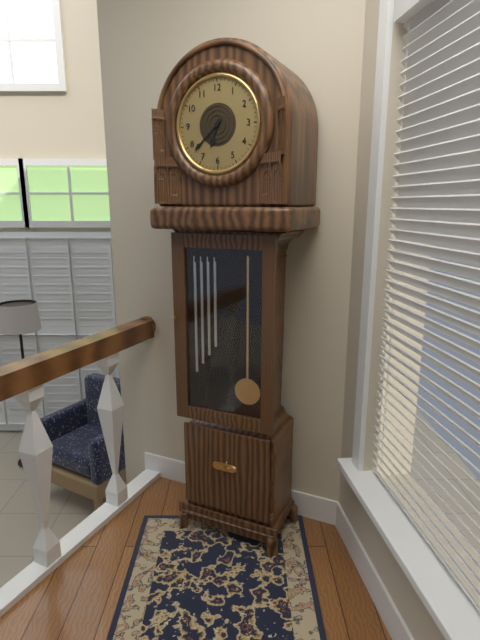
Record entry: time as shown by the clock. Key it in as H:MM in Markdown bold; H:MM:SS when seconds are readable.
**6:38**
